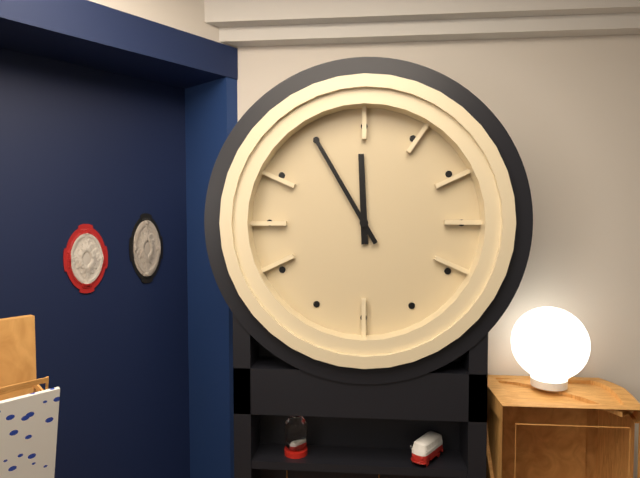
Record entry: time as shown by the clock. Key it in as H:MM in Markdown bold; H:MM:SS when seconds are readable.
**11:55**
